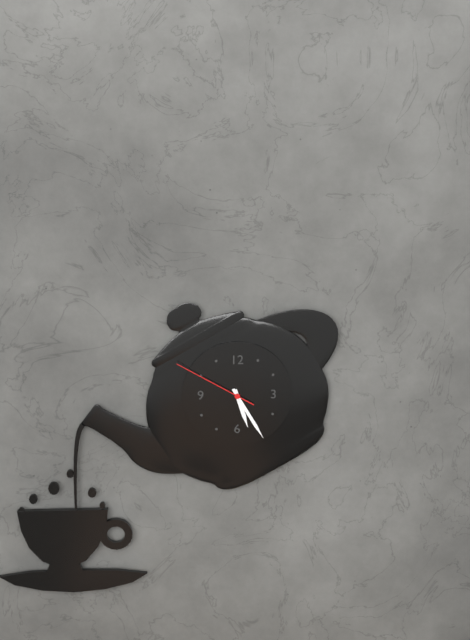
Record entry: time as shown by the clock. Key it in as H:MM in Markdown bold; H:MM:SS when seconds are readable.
**5:25:50**
